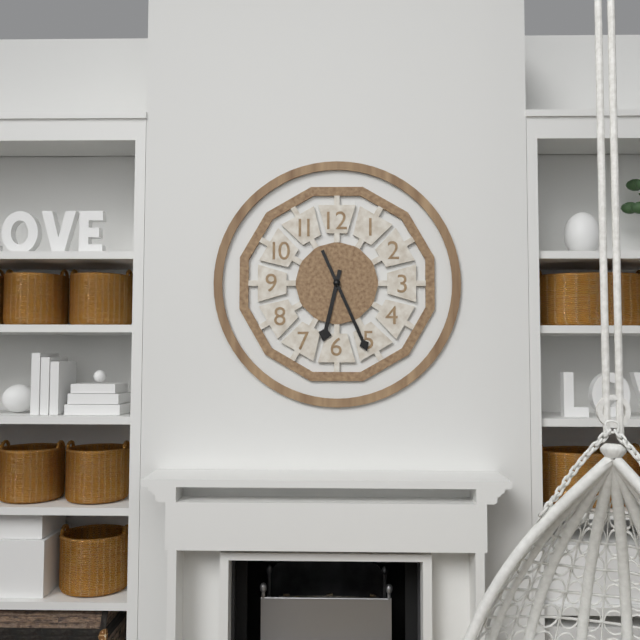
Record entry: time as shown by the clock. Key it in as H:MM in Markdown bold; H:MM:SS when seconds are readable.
**6:26**
